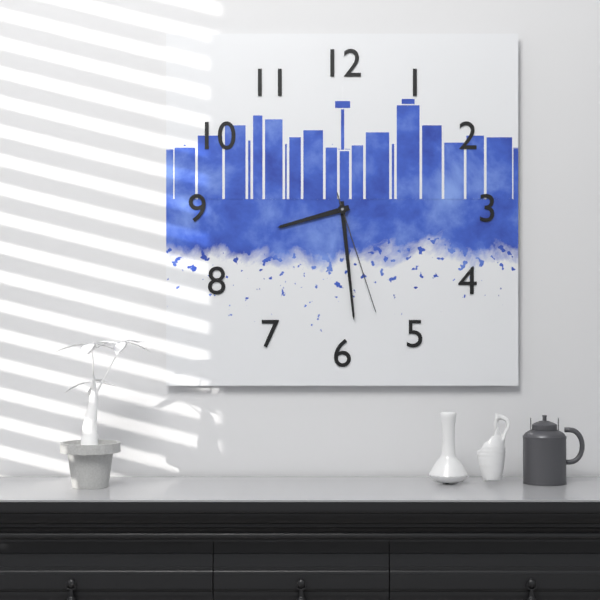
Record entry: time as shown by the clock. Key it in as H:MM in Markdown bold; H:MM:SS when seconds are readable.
**8:29:27**
